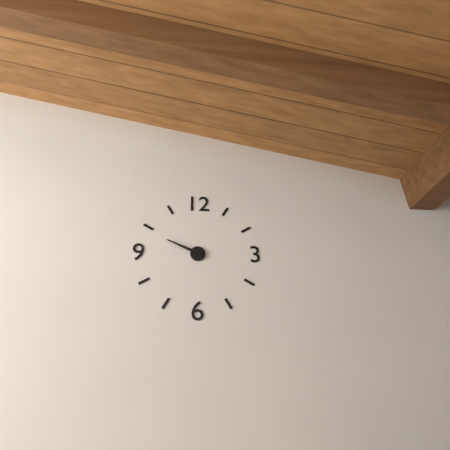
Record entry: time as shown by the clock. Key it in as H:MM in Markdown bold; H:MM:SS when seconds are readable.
**9:49**
